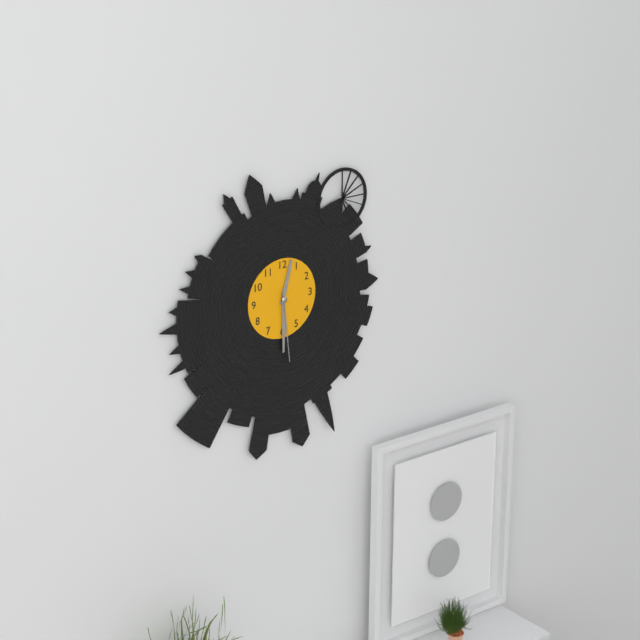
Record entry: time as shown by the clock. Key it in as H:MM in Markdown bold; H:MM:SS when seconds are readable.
**12:30:29**
